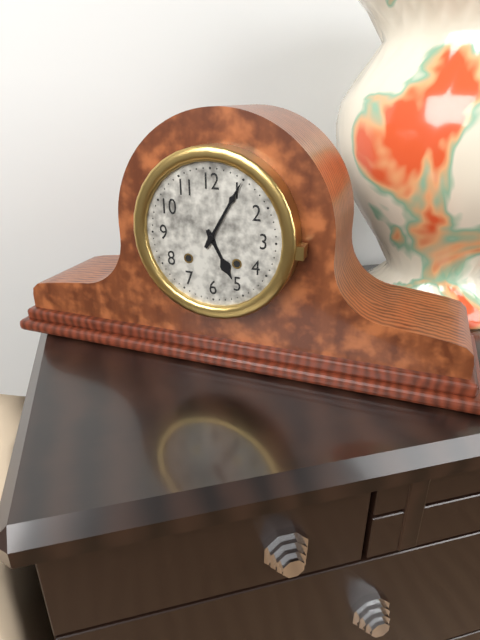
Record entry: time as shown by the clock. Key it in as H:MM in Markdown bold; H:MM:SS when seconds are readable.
**5:05**
